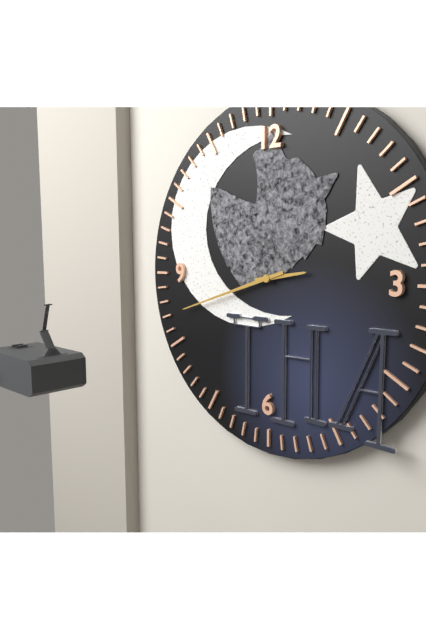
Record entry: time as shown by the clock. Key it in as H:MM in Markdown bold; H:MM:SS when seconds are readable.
**2:42**
